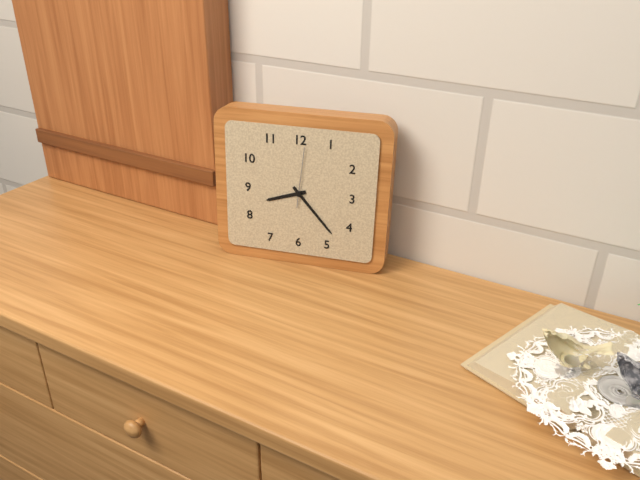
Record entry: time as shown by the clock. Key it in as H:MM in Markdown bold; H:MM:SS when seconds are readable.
**8:23:01**
